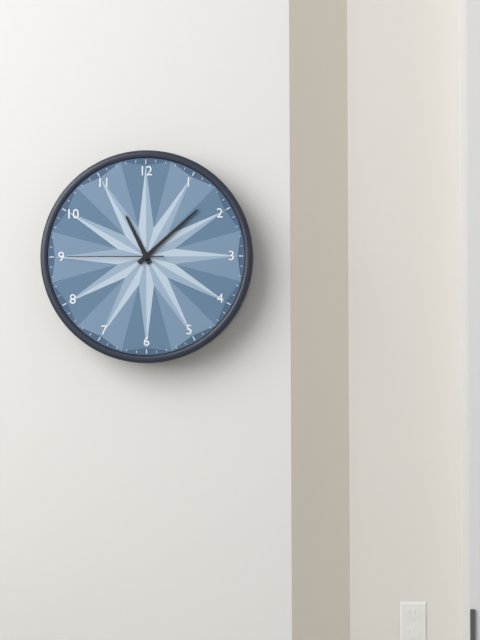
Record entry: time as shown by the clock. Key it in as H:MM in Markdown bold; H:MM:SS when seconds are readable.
**11:08:45**
